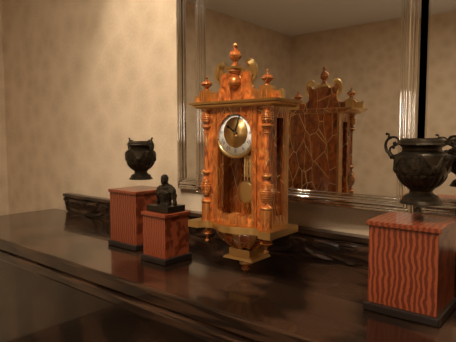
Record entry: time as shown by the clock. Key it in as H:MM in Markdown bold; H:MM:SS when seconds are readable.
**10:03**
